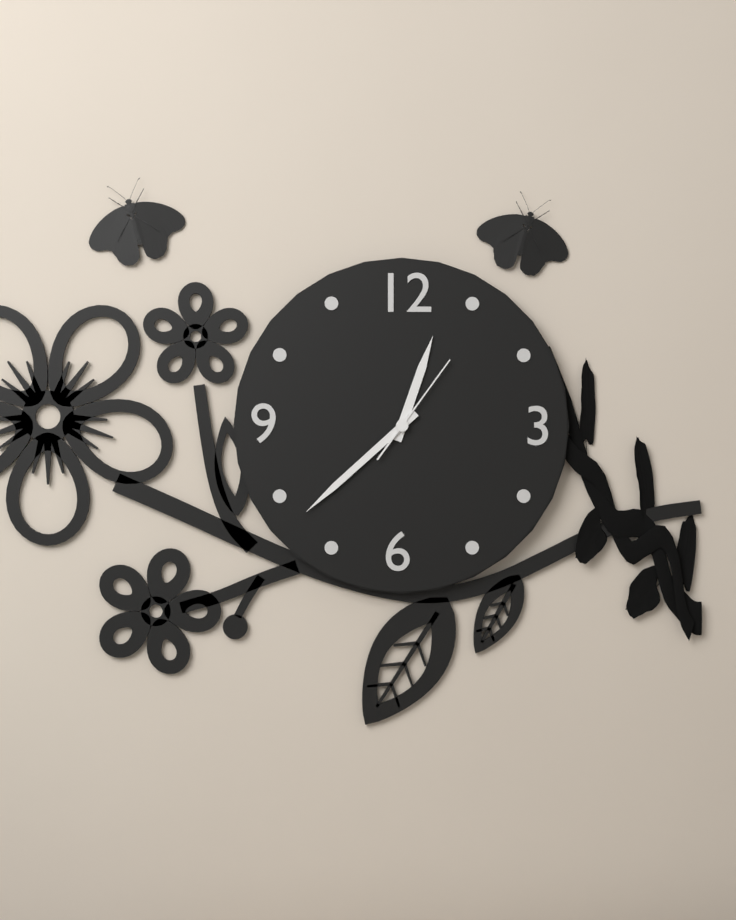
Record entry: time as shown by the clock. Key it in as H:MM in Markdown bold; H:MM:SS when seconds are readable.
**12:38:06**
